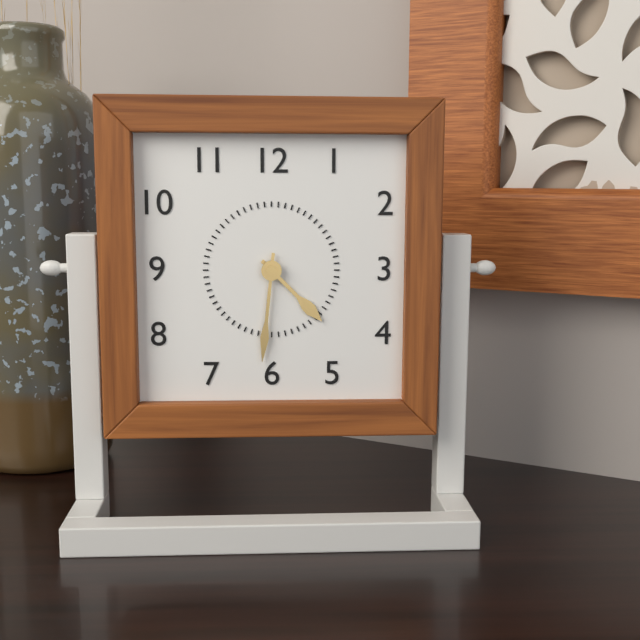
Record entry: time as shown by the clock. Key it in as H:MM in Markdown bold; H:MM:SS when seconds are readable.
**4:31**
